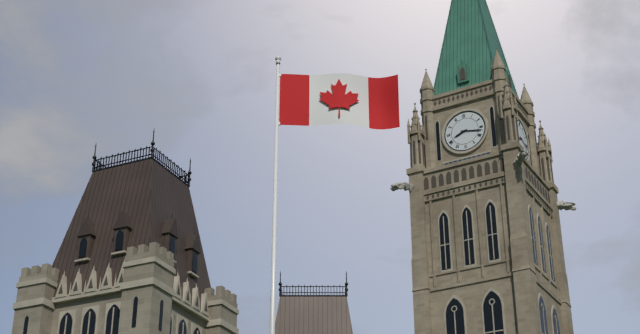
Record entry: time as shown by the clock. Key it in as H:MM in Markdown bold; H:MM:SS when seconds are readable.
**8:17**
